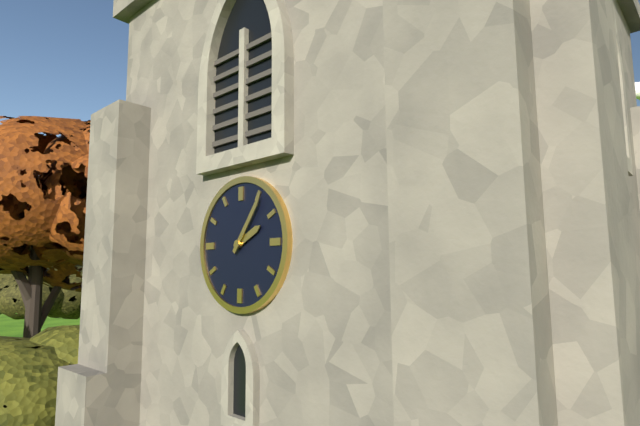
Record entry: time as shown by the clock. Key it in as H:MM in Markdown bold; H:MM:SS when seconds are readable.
**2:06**
